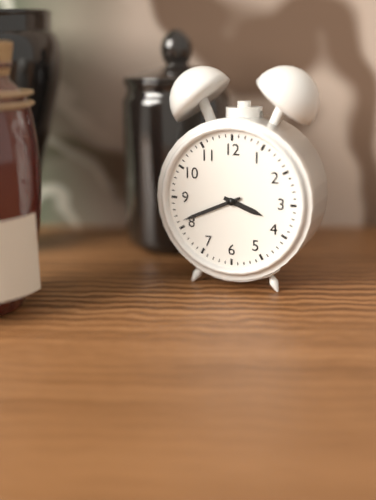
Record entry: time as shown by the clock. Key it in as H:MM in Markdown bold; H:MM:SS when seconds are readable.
**3:41**
